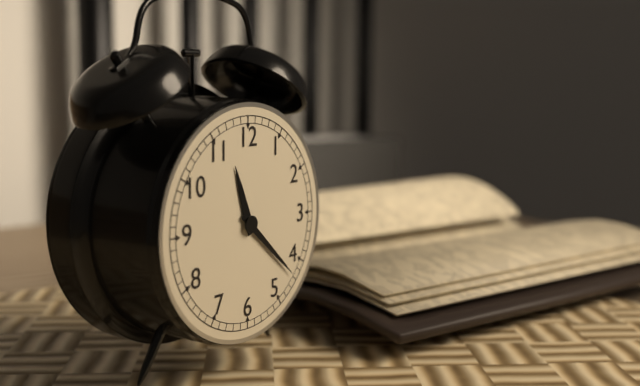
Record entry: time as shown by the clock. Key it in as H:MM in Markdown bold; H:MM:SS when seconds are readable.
**11:22**
